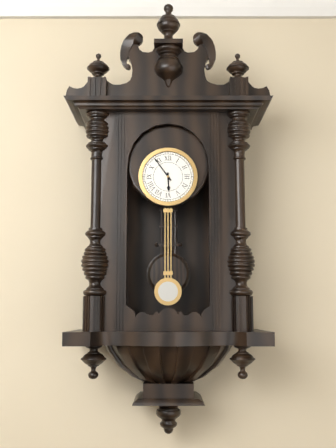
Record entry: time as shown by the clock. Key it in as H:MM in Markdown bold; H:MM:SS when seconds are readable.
**5:54**
